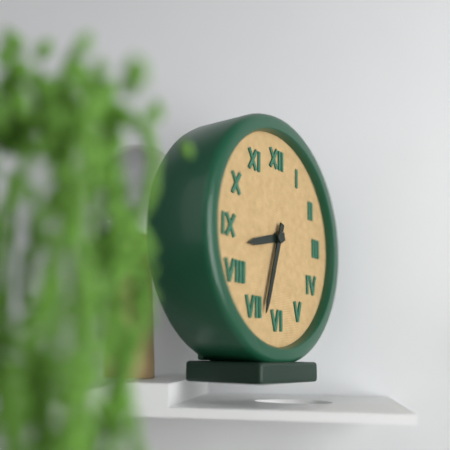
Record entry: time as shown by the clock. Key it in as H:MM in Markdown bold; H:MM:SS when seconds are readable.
**8:33**
